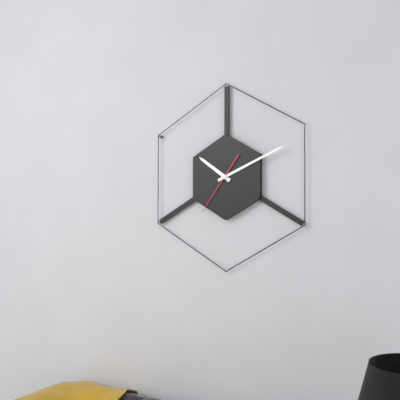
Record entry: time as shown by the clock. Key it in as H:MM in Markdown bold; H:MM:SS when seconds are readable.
**10:11:36**
